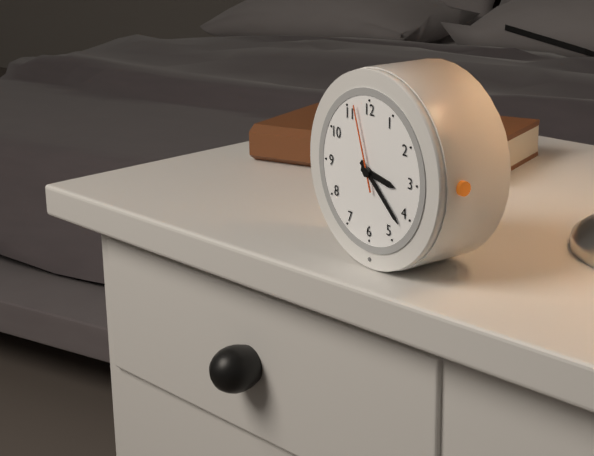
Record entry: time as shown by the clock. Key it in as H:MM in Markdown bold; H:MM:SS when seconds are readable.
**3:22:57**
